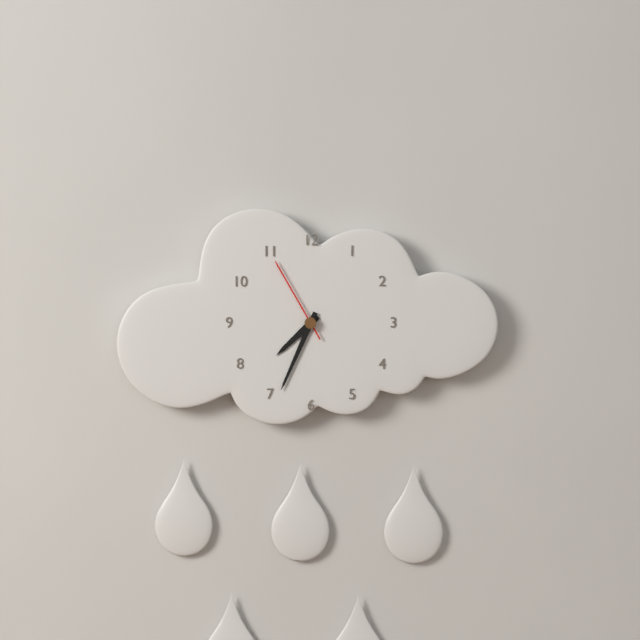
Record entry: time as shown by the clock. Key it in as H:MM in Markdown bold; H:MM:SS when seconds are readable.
**7:34:55**
